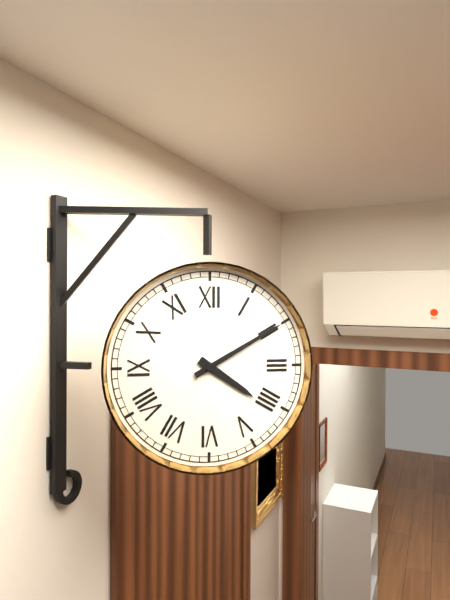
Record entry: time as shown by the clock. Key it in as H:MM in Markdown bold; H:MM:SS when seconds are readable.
**4:10**
